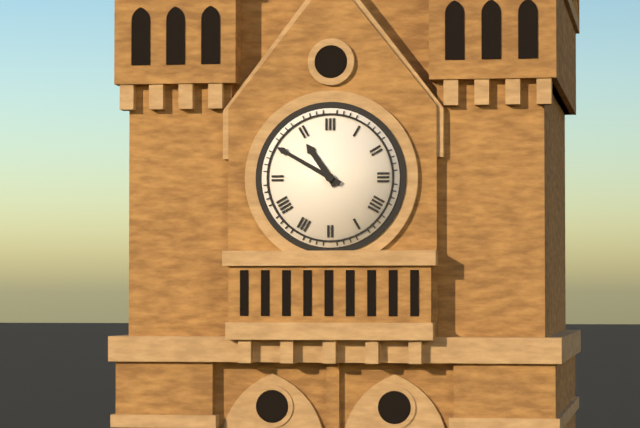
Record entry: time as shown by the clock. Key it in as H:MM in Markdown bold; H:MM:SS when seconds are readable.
**10:50**
